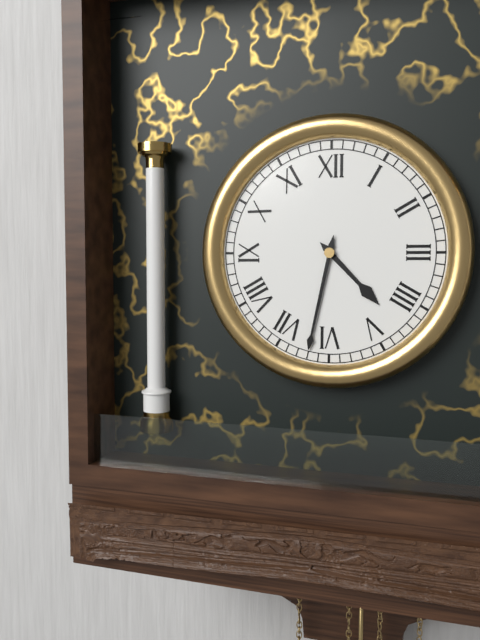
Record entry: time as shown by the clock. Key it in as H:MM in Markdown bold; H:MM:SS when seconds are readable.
**4:32**
